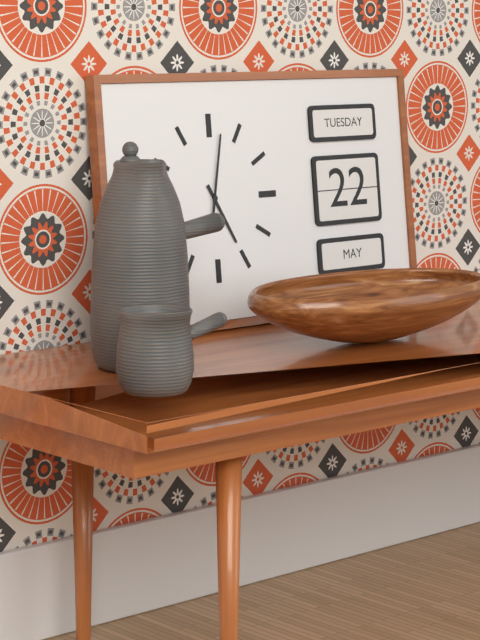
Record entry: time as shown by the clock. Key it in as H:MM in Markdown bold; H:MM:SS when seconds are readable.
**5:02**
